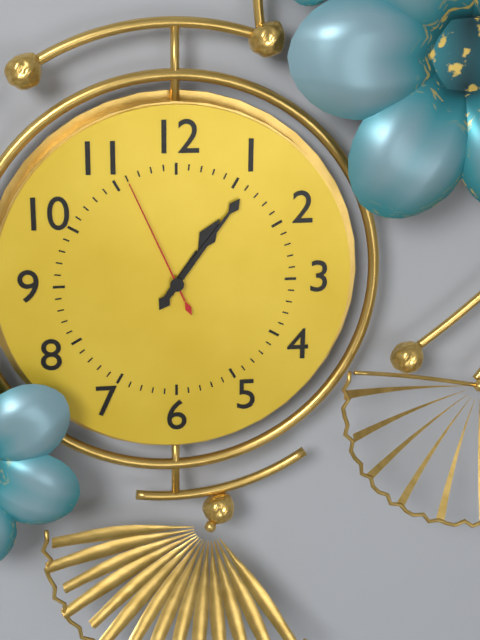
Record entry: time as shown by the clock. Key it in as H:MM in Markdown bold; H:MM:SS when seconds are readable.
**1:06:56**
